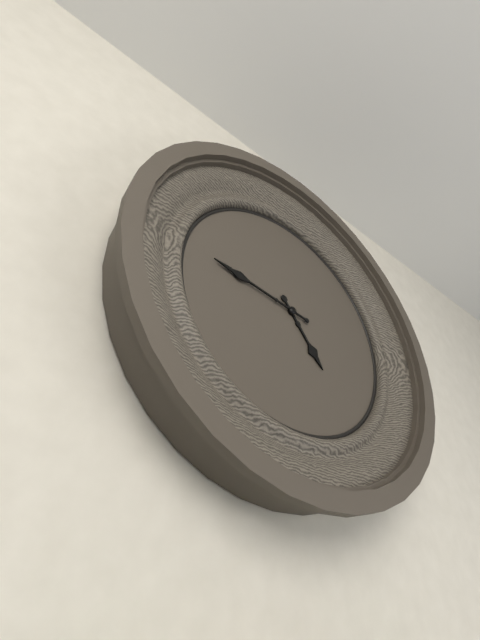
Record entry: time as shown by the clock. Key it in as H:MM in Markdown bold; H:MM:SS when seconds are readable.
**4:46**
